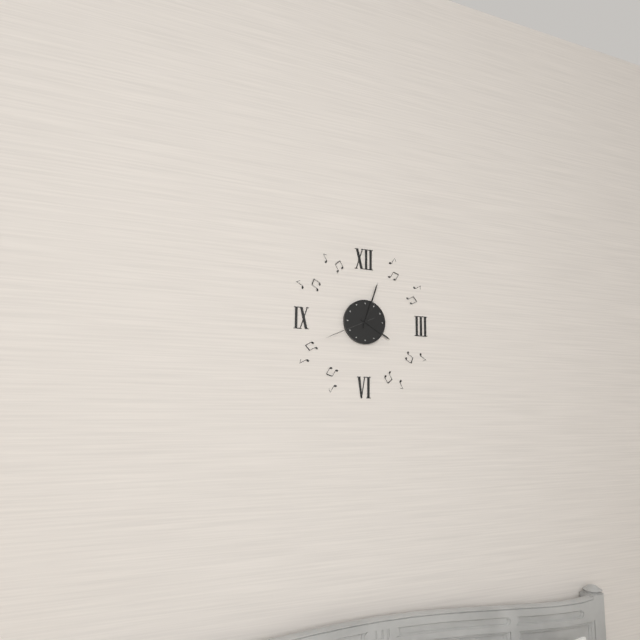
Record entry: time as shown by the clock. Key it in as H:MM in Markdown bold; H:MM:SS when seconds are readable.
**4:03:41**
